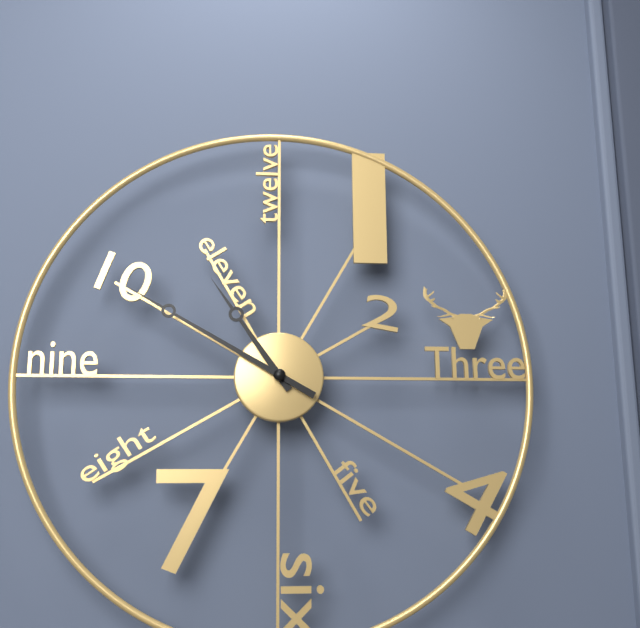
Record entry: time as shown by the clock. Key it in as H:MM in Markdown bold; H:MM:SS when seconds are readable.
**10:50**
